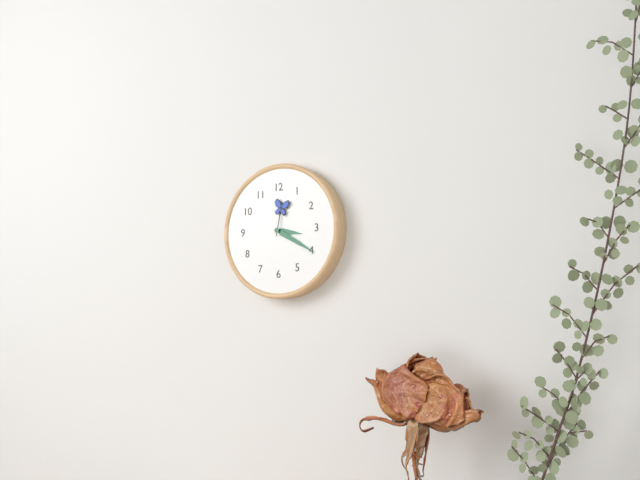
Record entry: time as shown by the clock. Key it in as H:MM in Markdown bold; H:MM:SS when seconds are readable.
**3:20**
